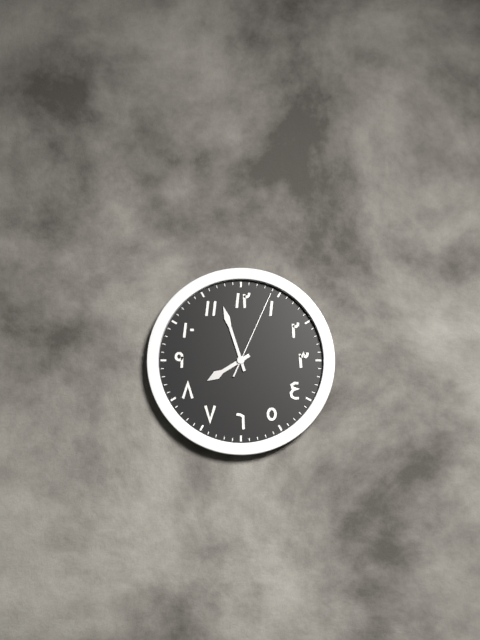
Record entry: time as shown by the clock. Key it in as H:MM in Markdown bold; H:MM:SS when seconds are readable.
**7:57:04**
